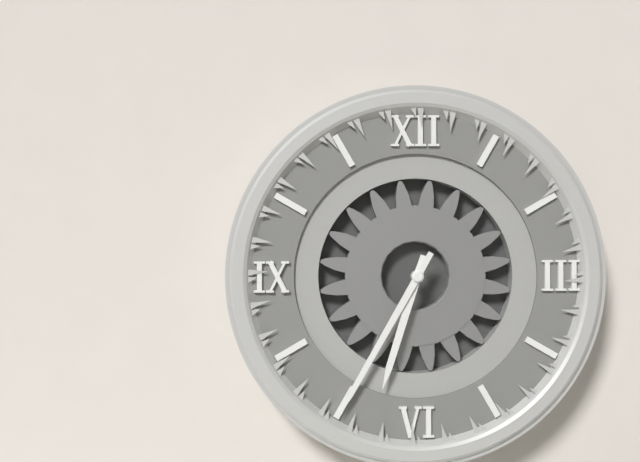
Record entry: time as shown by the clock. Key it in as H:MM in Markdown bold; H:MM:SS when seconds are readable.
**6:35**
